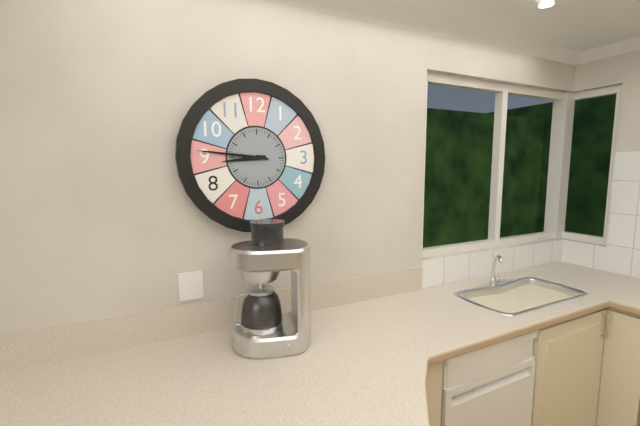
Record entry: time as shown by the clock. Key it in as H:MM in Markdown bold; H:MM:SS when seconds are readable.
**8:46**
